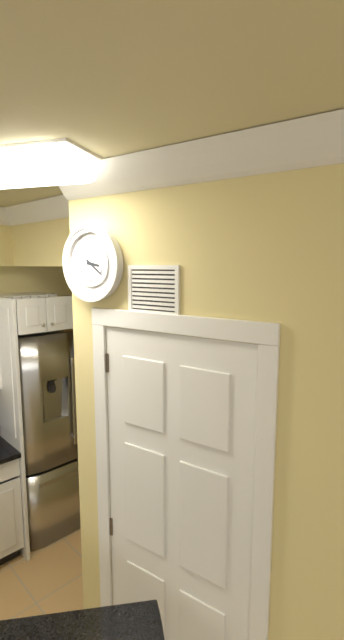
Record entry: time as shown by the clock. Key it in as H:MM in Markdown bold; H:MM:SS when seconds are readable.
**3:21**
